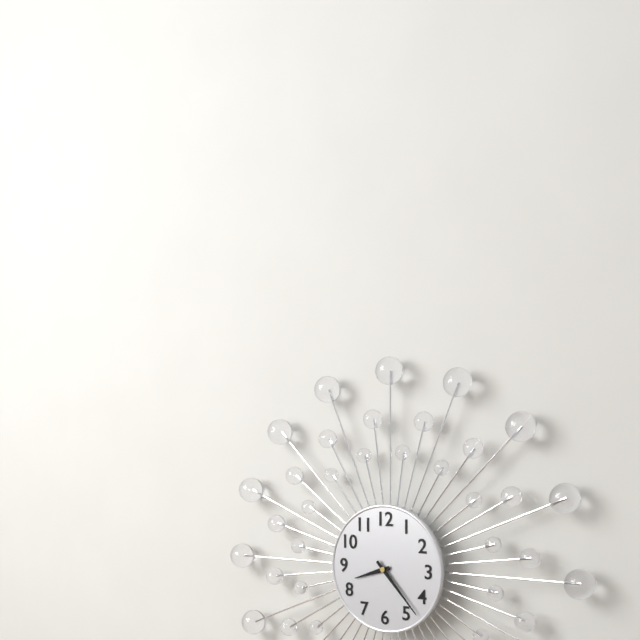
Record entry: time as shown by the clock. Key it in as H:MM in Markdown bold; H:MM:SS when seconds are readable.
**8:23**
